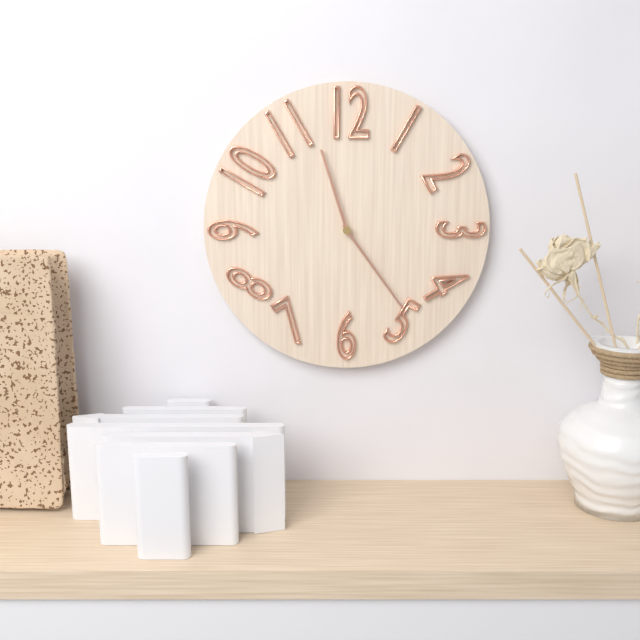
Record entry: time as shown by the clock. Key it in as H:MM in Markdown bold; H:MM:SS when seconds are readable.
**11:24**
